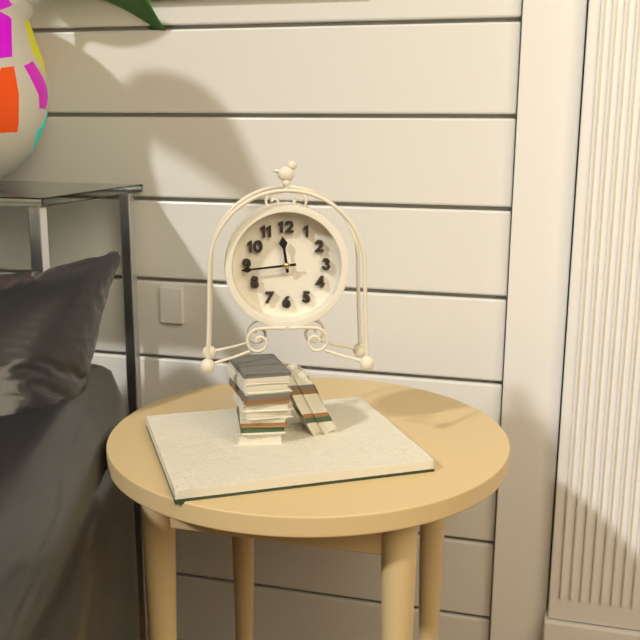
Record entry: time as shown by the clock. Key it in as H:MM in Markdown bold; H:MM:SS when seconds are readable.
**11:44**
